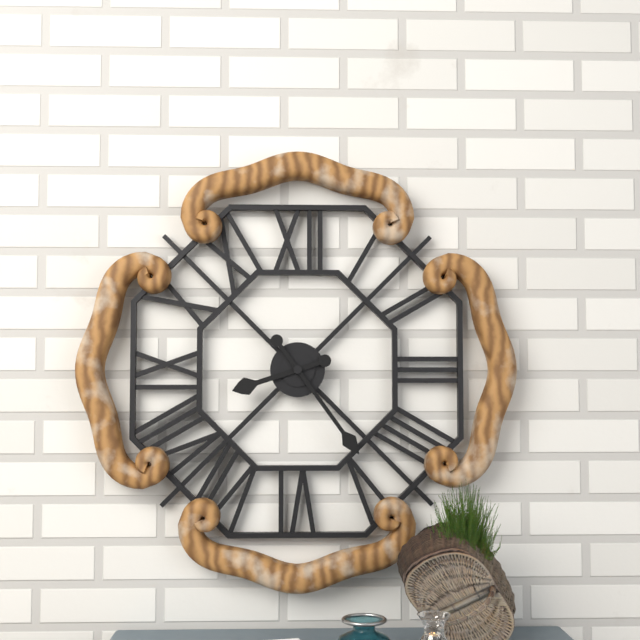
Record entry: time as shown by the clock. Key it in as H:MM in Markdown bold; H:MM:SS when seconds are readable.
**8:24**
